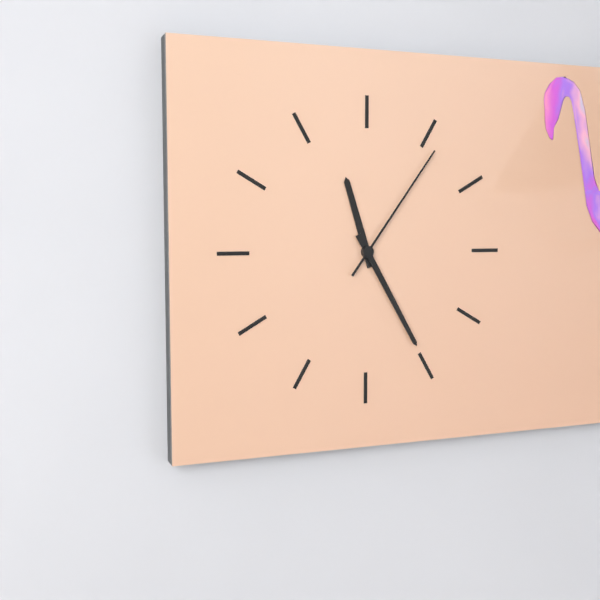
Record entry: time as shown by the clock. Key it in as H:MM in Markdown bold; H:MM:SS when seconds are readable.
**11:25:06**
